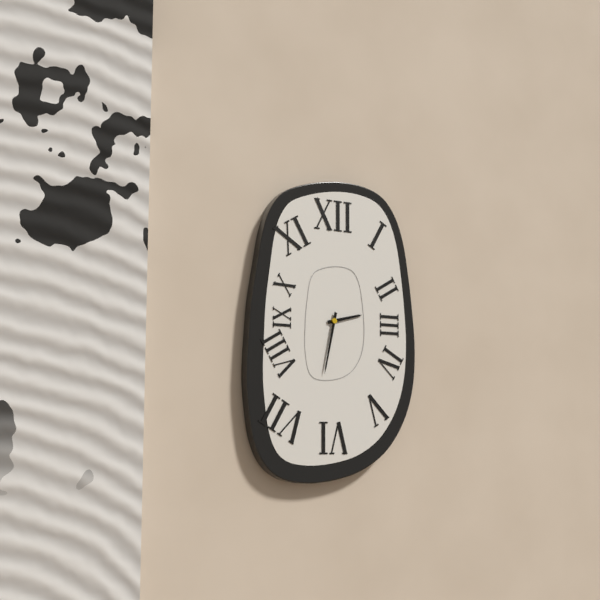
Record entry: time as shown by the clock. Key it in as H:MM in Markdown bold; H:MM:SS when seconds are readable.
**2:32**
